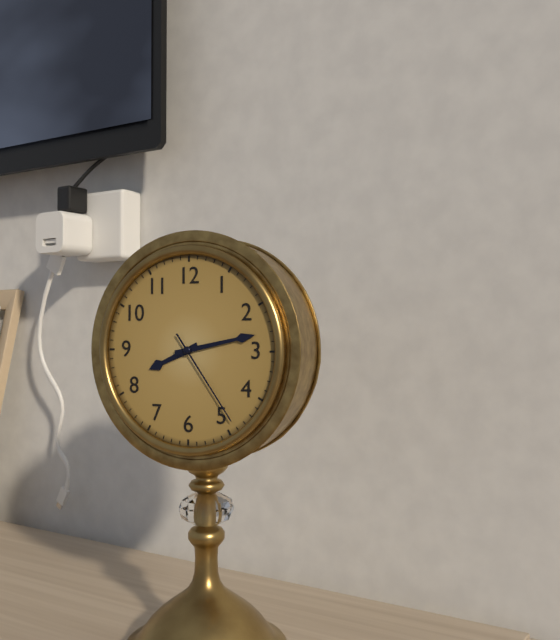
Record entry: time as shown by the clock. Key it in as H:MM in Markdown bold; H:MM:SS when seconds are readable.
**8:13:24**
